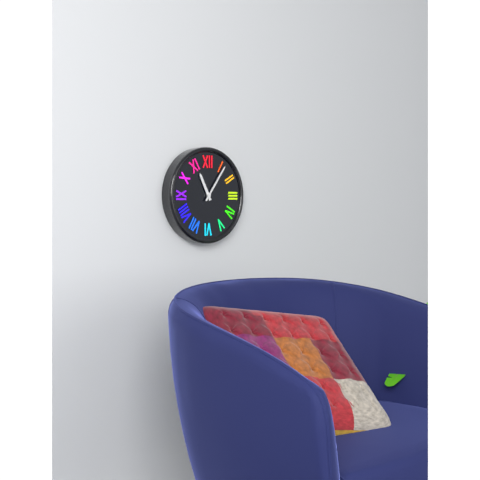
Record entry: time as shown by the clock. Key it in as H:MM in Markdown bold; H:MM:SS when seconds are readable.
**11:06**
